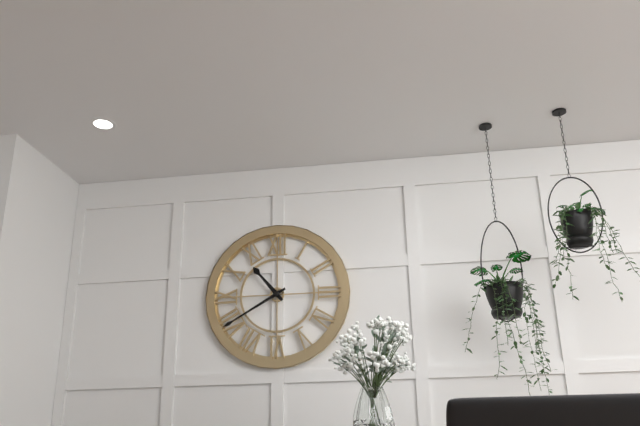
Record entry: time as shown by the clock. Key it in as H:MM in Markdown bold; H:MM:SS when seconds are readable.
**10:40**
